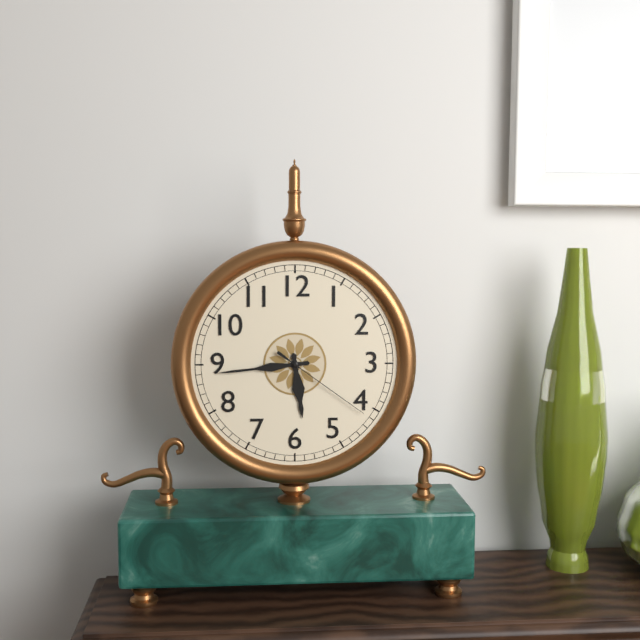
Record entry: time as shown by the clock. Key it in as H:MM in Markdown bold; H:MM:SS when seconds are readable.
**5:44:21**
